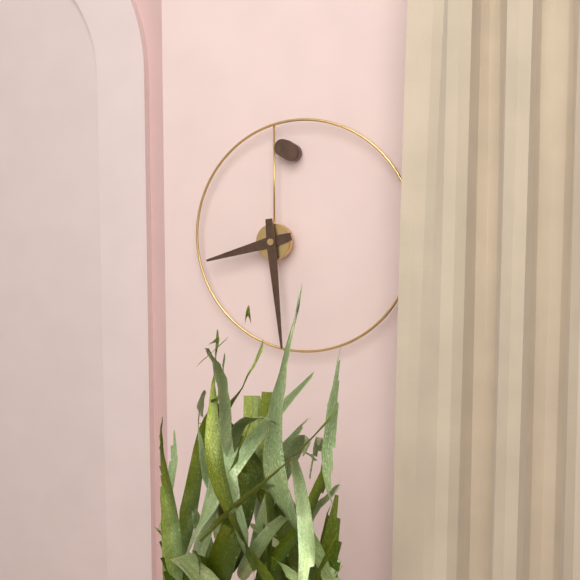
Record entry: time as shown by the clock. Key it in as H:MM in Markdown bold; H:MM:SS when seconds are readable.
**8:29**
